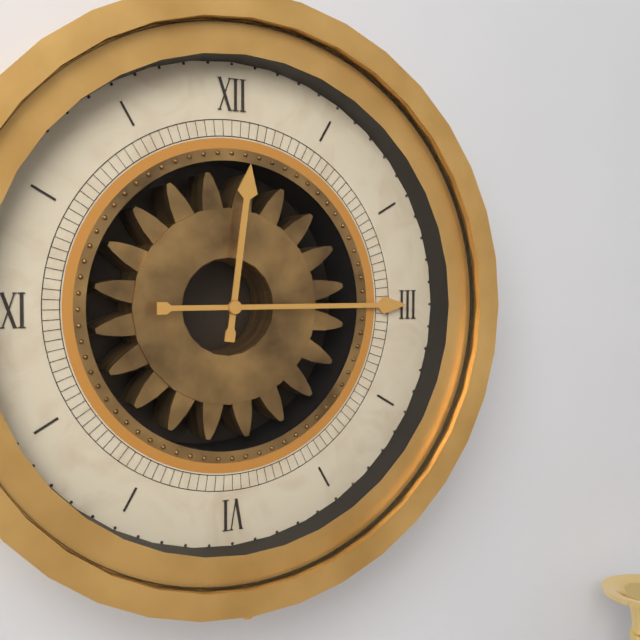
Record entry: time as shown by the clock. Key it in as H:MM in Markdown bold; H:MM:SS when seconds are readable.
**12:15**
